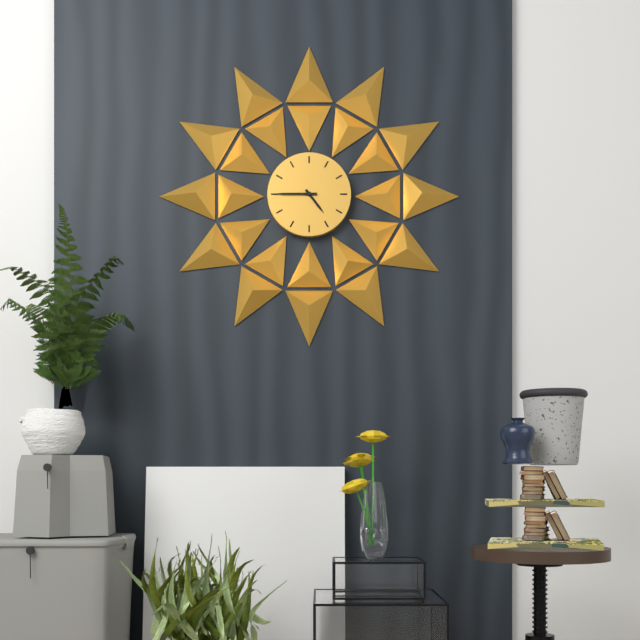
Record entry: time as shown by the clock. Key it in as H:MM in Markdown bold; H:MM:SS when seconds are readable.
**4:45**
